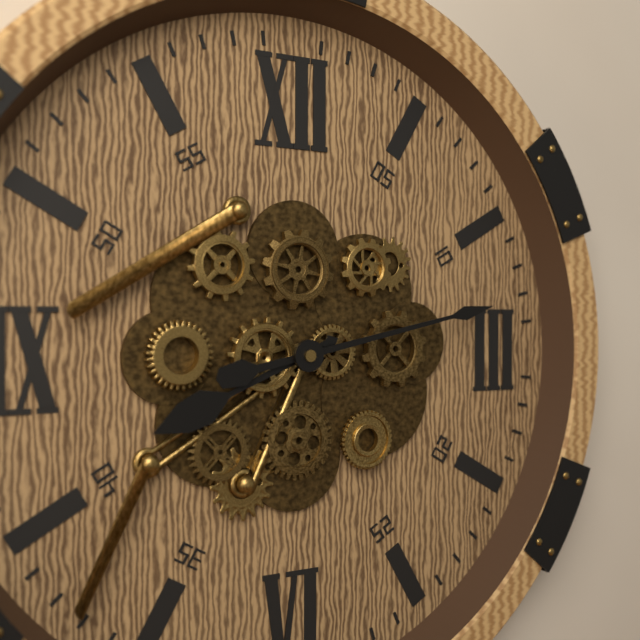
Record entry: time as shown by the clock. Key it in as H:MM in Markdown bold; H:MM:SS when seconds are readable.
**8:13**
